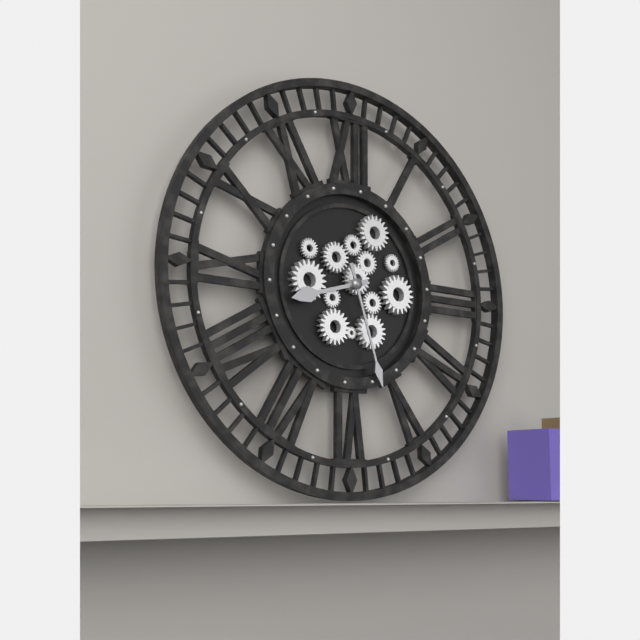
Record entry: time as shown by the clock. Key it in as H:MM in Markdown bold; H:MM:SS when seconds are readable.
**8:27**
